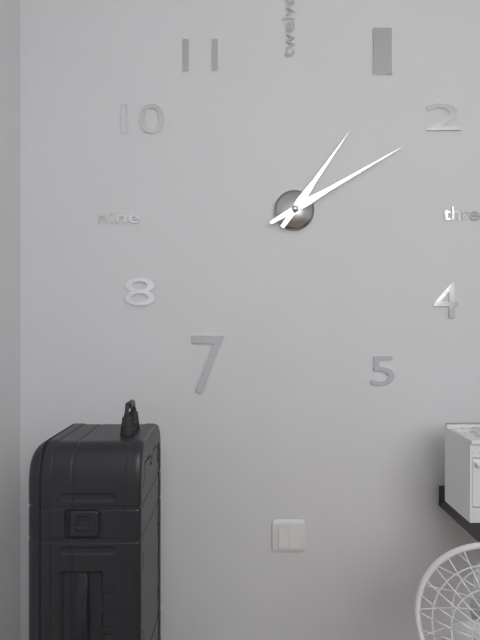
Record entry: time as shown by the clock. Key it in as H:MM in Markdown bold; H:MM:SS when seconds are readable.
**1:10**
